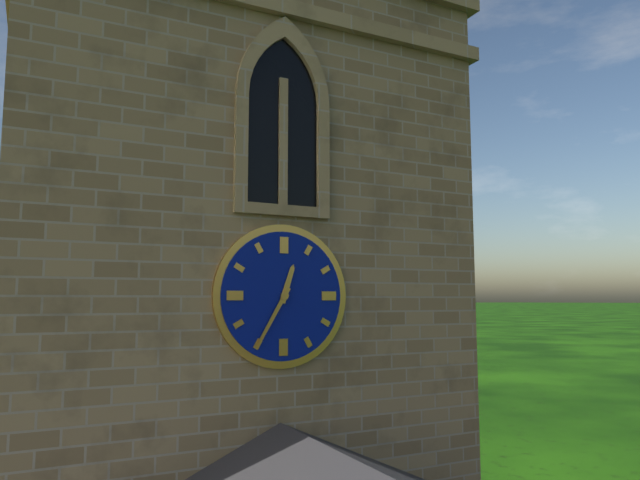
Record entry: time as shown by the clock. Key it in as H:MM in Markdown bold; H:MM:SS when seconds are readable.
**12:35**
